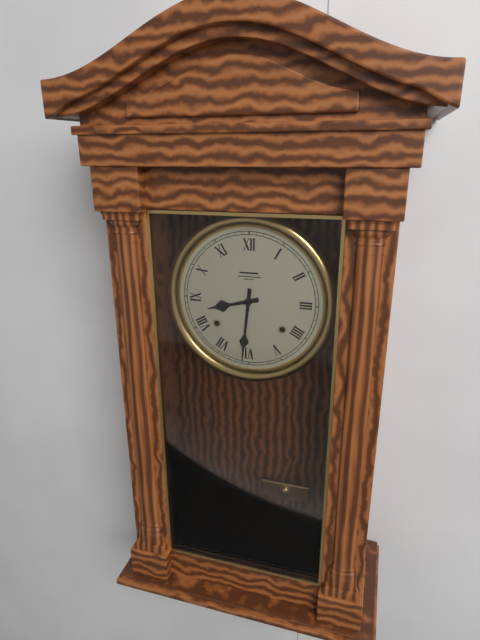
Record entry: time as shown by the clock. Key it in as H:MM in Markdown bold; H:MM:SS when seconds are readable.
**8:31**
